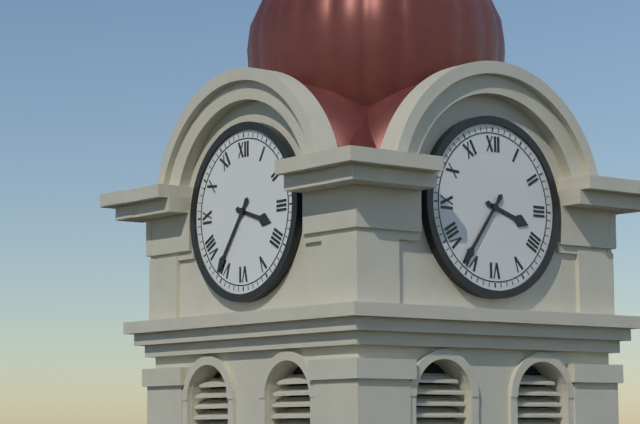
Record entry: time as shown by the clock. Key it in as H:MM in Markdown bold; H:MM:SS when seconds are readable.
**3:36**
